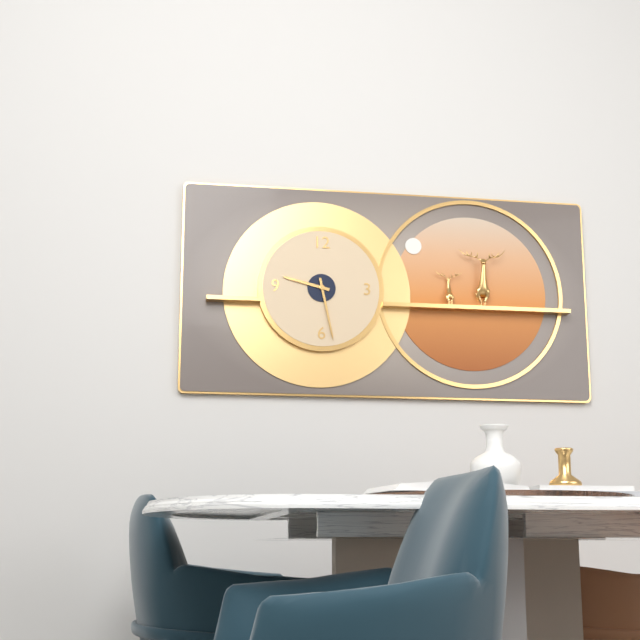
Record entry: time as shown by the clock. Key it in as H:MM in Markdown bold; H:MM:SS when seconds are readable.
**9:28**
